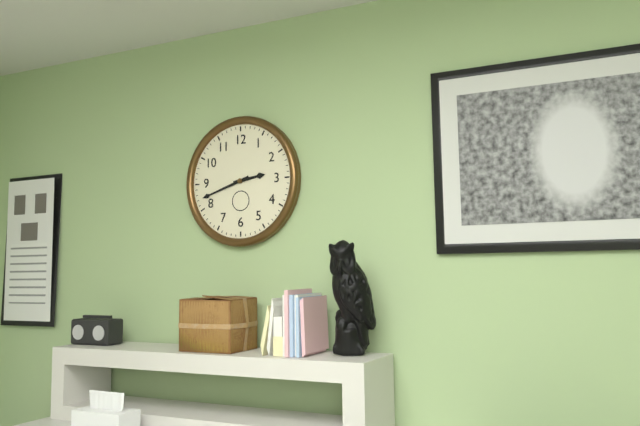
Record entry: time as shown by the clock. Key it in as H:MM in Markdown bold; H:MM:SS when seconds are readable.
**2:42**
